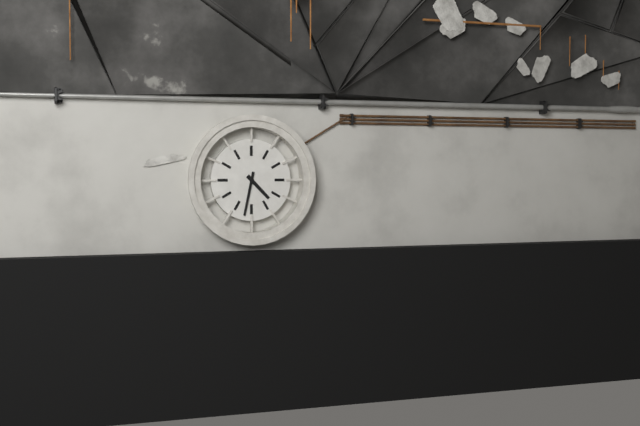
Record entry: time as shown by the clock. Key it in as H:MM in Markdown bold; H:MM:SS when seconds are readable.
**4:32**
